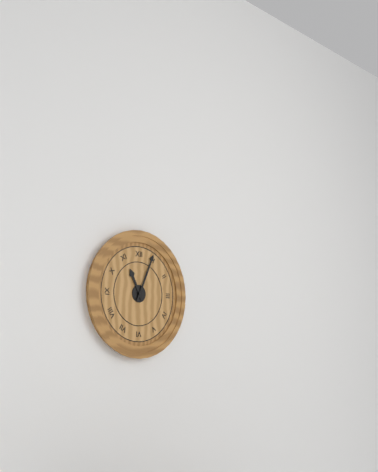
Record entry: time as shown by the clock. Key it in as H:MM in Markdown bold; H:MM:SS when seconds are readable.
**11:04**
